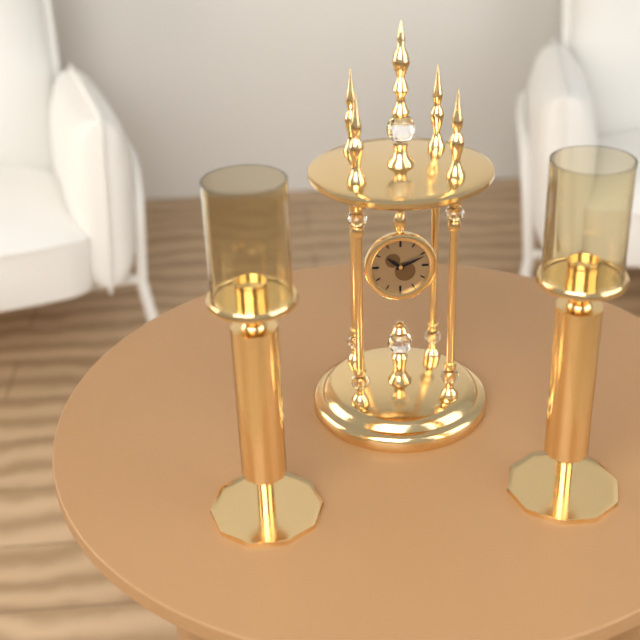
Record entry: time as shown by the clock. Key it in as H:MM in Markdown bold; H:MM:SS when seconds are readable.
**10:11**
